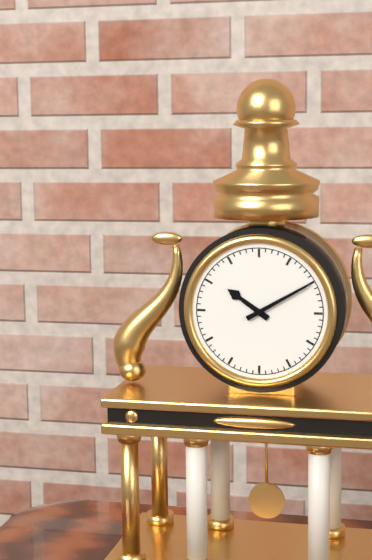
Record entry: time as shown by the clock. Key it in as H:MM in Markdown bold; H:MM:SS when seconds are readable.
**10:10**
